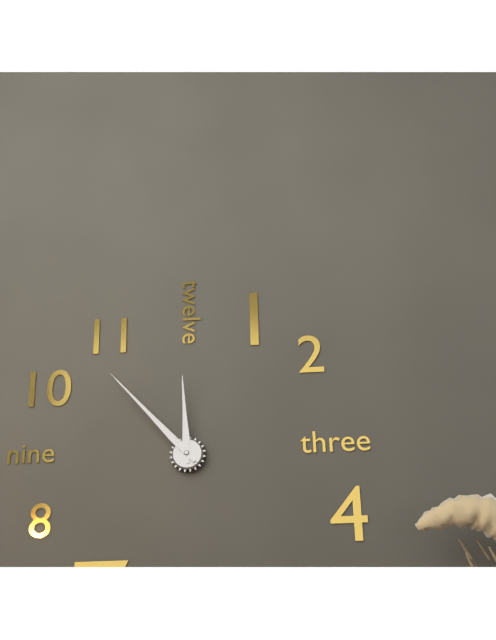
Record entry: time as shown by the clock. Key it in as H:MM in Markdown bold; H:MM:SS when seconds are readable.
**11:53**
